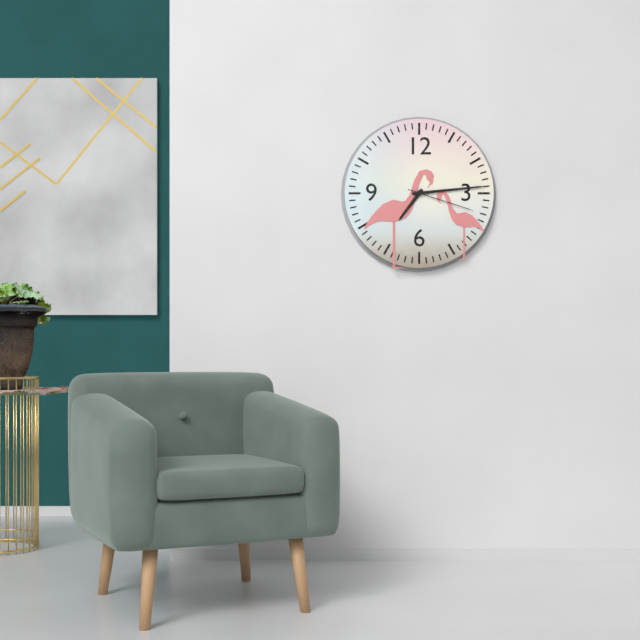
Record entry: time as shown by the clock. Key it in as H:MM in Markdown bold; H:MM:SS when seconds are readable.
**7:14:18**
